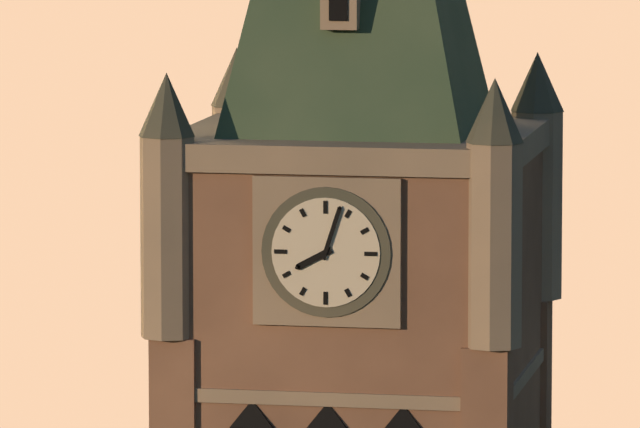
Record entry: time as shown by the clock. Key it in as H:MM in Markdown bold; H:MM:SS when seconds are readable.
**8:03**
